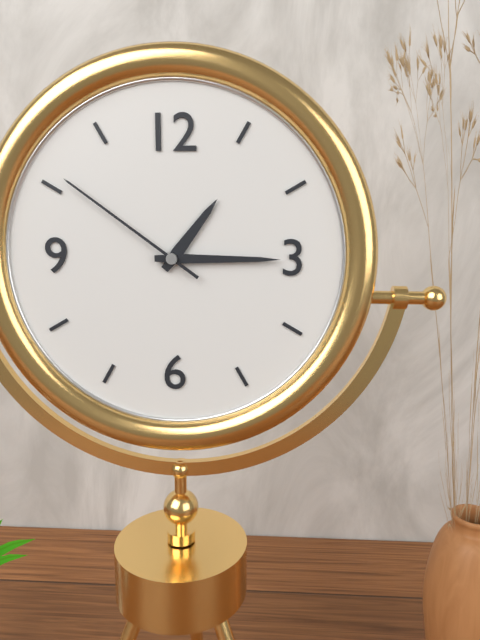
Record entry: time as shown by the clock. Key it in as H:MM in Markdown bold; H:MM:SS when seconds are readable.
**1:15:51**
